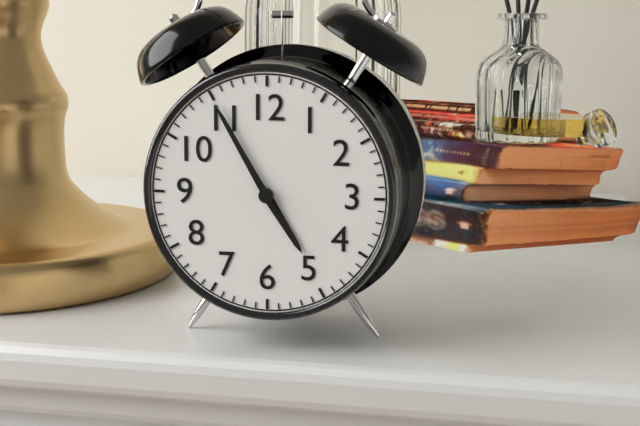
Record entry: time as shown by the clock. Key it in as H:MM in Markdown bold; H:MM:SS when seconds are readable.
**4:55**
